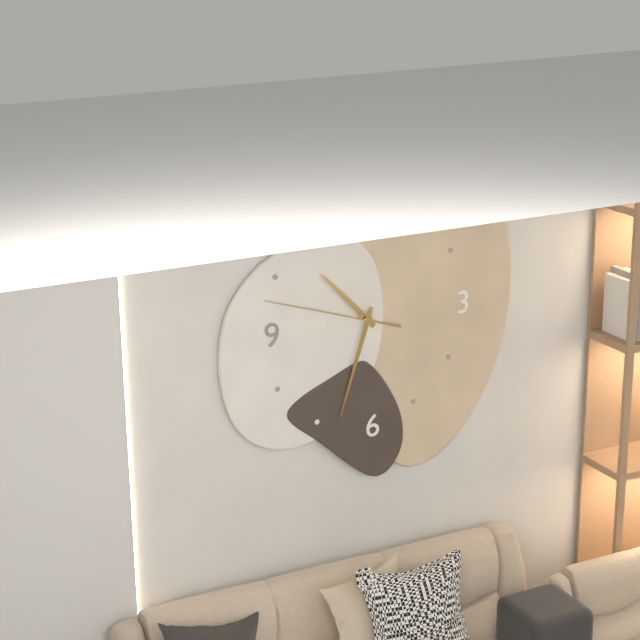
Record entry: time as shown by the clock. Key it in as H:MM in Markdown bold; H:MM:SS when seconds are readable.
**10:33:48**
